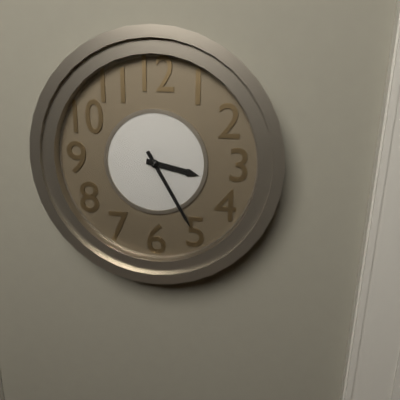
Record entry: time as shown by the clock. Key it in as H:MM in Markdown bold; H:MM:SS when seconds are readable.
**3:25**
